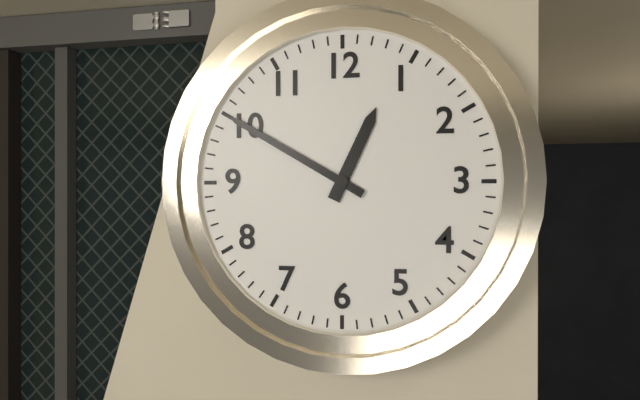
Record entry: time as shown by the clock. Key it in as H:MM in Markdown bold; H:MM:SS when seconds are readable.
**12:50**
